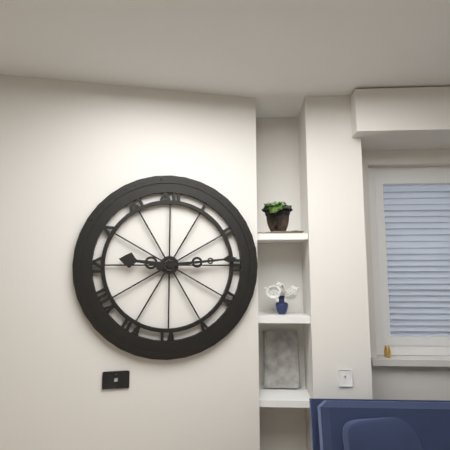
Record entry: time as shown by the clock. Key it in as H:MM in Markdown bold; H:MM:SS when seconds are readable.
**9:14**
